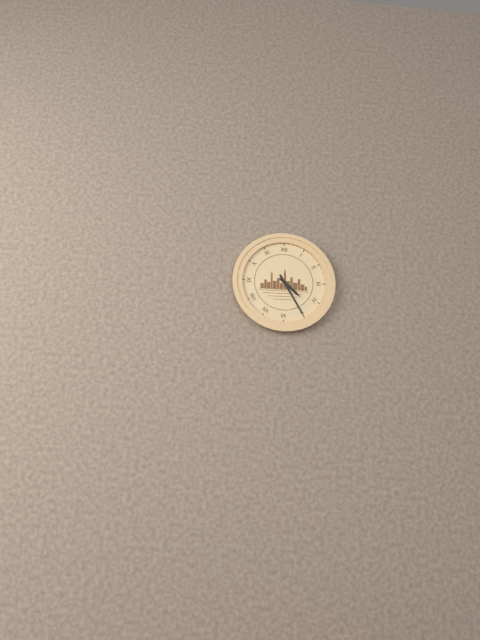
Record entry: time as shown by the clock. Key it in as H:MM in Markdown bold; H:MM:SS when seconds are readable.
**4:25**
